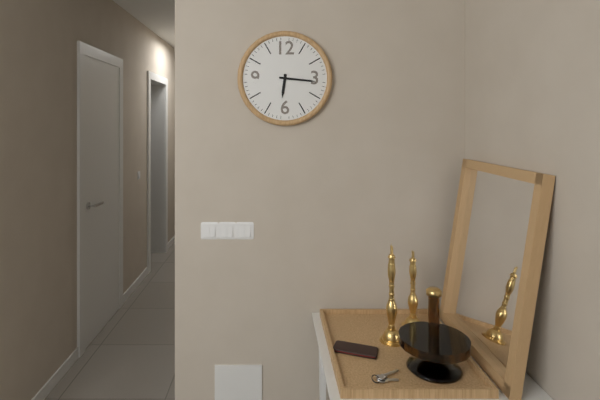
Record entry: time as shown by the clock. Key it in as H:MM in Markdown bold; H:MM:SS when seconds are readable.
**6:16**
